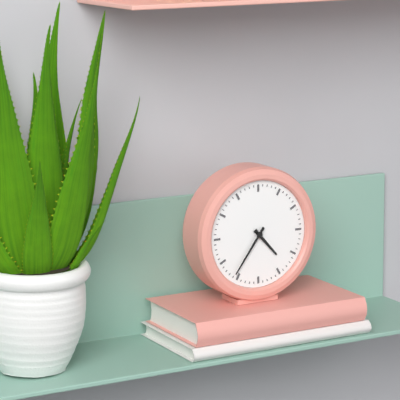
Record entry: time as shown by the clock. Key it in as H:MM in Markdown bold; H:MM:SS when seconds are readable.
**4:36**
